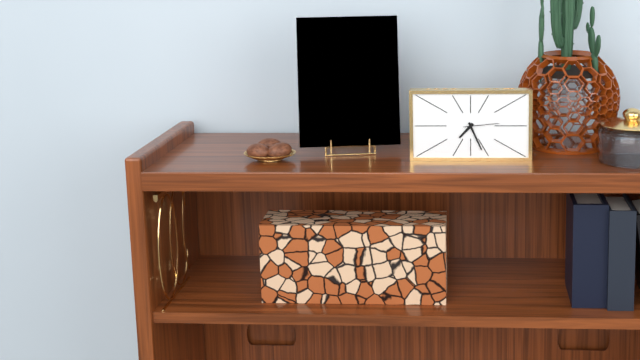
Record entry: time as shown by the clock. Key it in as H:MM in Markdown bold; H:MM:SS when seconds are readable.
**7:26**
